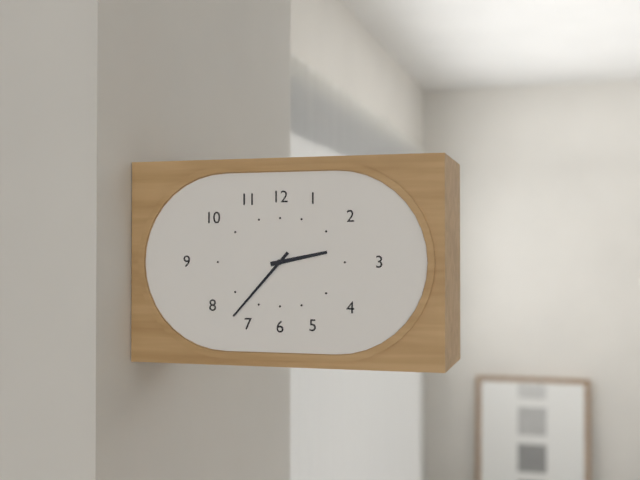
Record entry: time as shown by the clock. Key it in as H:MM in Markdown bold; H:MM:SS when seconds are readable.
**2:37**
